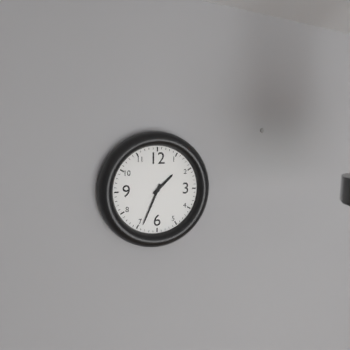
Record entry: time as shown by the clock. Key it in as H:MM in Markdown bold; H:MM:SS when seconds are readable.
**1:34**
